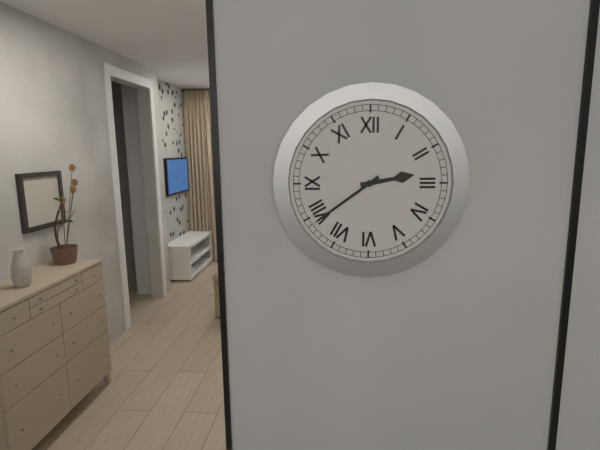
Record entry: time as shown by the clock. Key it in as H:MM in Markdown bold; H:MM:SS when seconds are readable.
**2:39**
